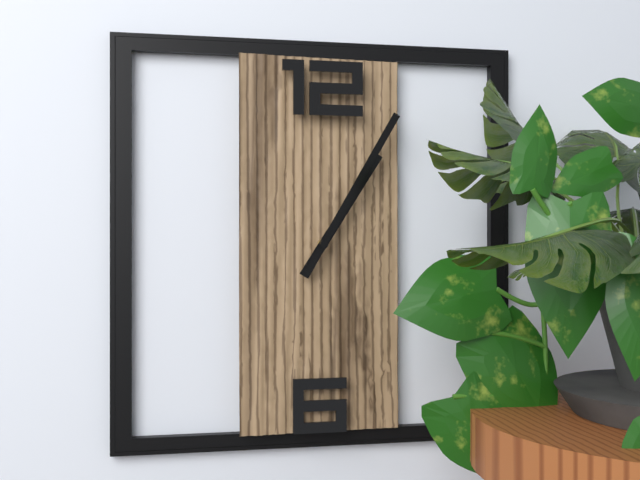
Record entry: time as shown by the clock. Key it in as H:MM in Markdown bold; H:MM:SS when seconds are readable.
**1:05**
